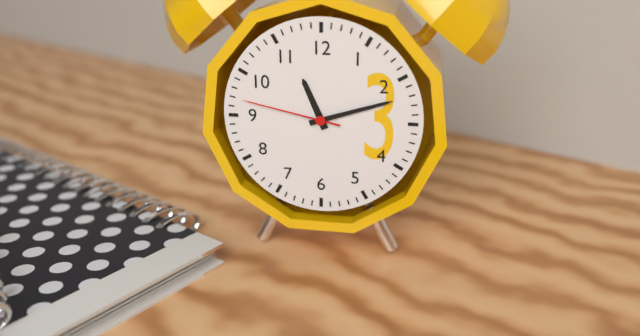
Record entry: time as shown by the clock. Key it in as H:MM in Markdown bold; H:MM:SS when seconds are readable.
**11:12:47**
